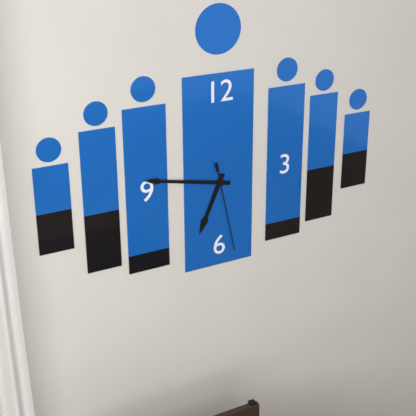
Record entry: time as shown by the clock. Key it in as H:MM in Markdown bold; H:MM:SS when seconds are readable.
**6:47:28**
